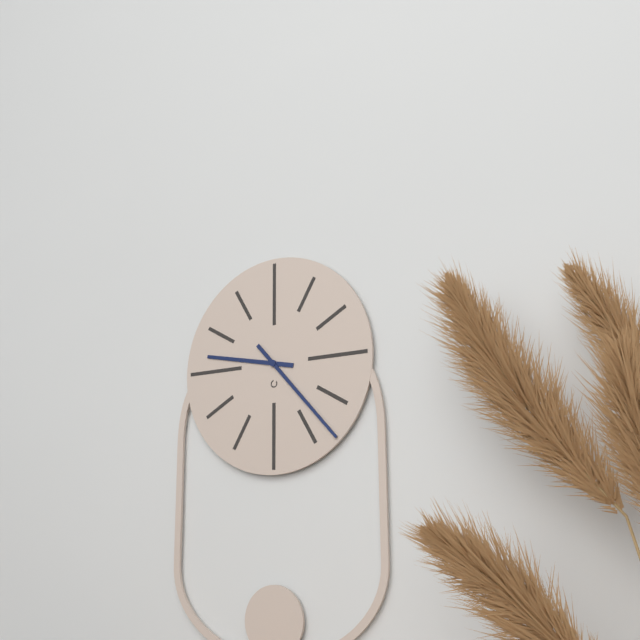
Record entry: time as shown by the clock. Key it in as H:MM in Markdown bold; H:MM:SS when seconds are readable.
**9:23**
